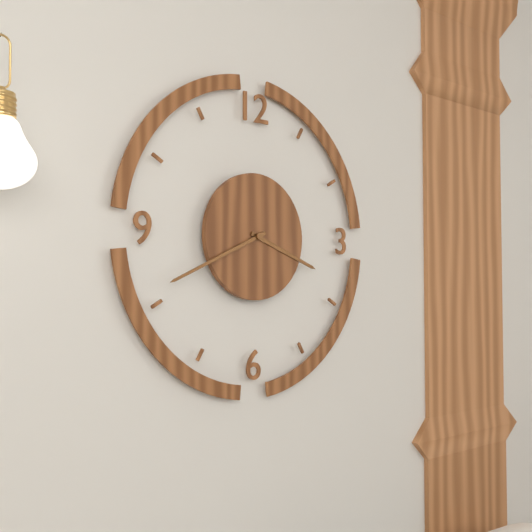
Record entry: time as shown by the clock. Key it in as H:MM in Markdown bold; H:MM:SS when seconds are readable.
**3:41**
